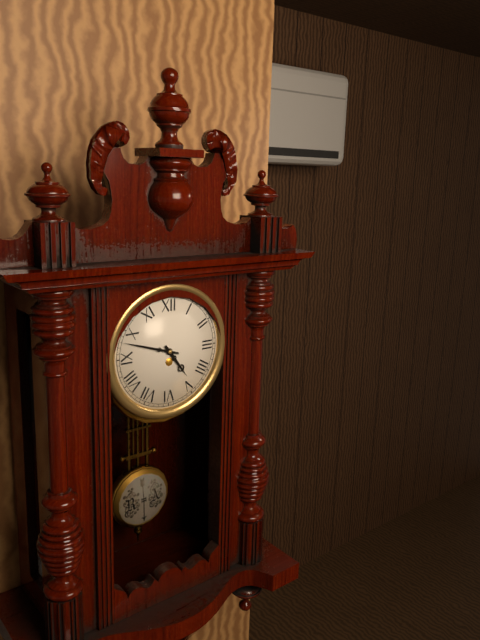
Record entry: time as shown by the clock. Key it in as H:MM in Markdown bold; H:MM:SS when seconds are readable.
**4:48**
